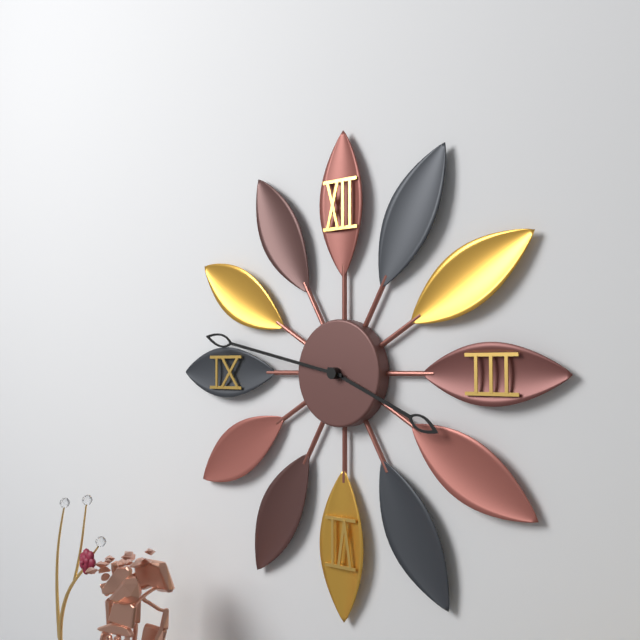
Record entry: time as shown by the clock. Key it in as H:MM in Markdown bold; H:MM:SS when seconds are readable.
**3:47**
